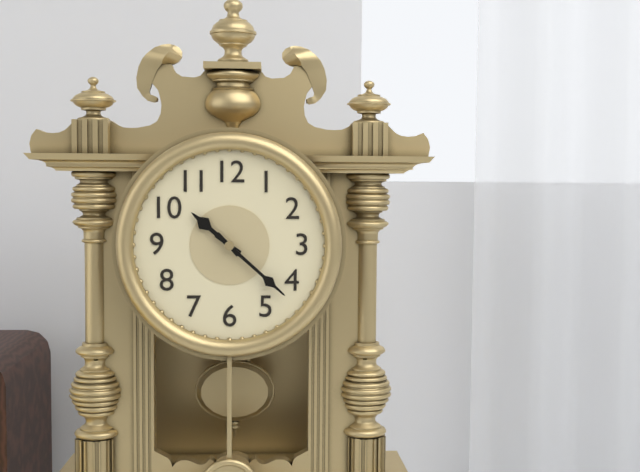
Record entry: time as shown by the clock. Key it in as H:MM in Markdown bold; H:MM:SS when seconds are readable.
**10:22**
